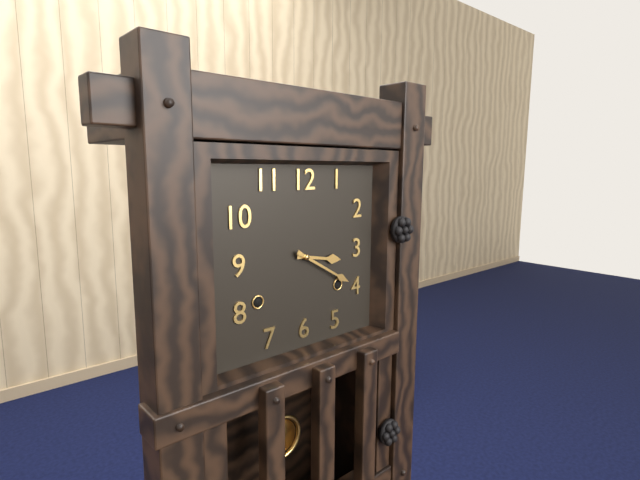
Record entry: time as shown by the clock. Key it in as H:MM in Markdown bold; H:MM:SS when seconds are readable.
**3:20**
